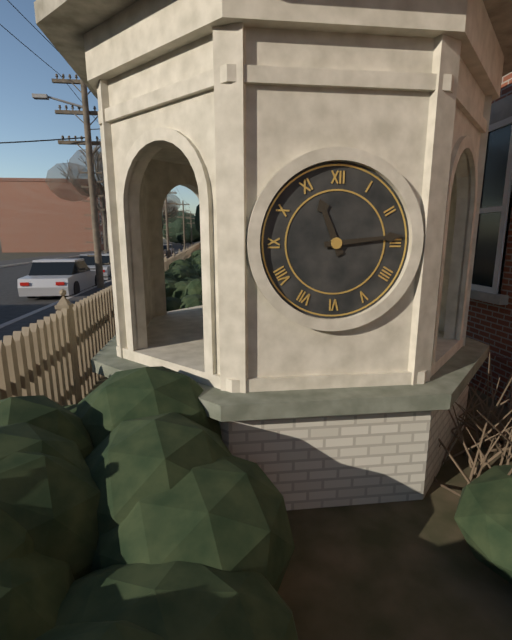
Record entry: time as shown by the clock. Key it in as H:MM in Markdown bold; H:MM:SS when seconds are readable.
**11:14**
